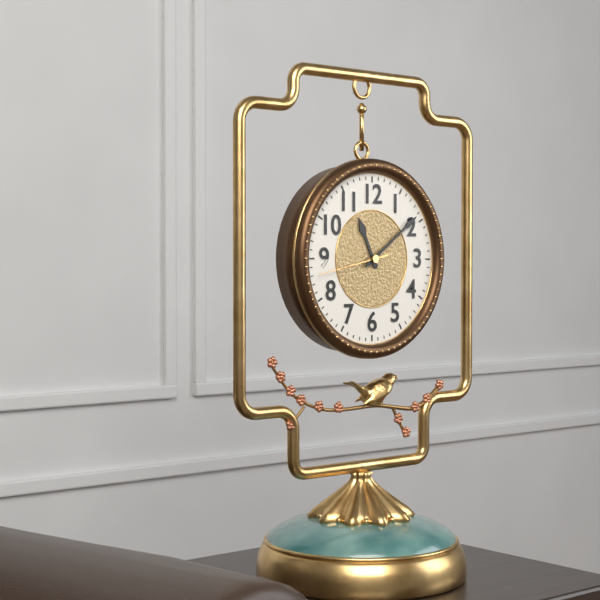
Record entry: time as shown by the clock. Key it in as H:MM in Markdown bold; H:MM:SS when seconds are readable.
**11:09:43**
